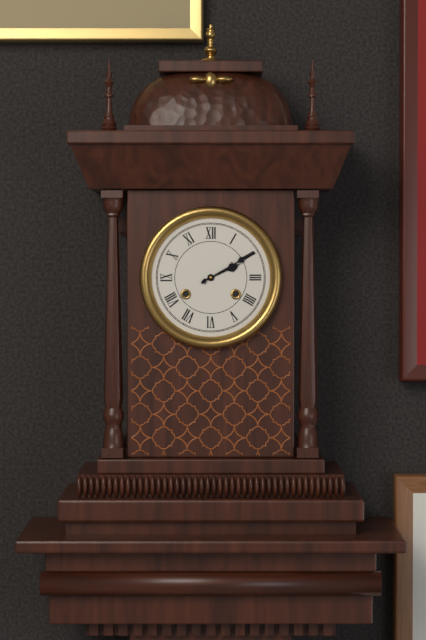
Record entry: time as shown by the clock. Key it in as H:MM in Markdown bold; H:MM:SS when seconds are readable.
**2:10**
